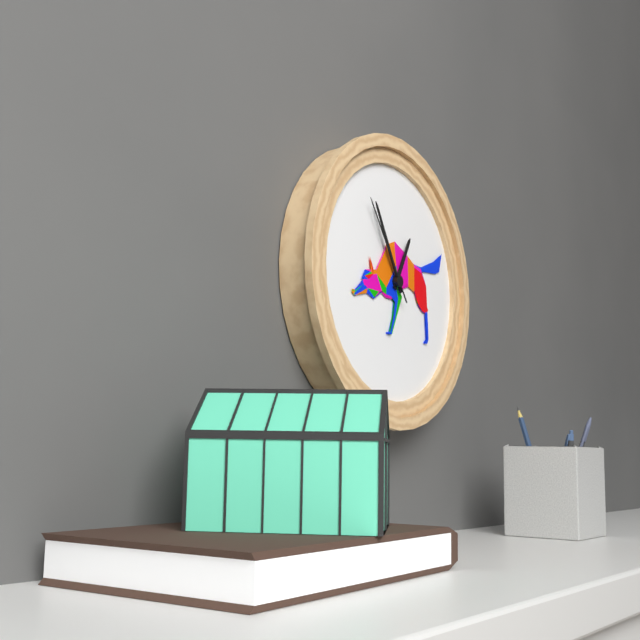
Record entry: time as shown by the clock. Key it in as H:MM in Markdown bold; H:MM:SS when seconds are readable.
**12:55:54**
